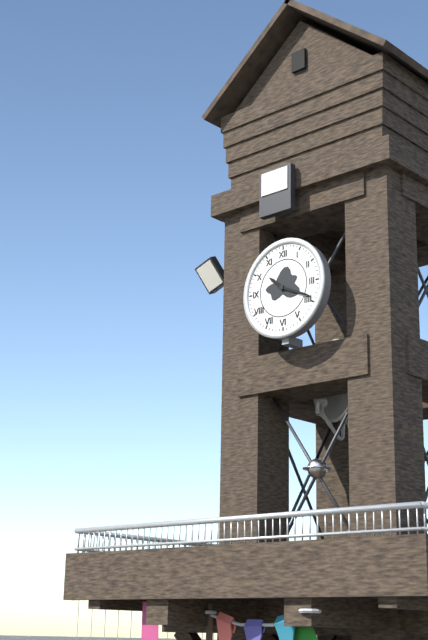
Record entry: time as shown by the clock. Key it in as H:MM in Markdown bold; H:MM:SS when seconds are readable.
**10:19**
